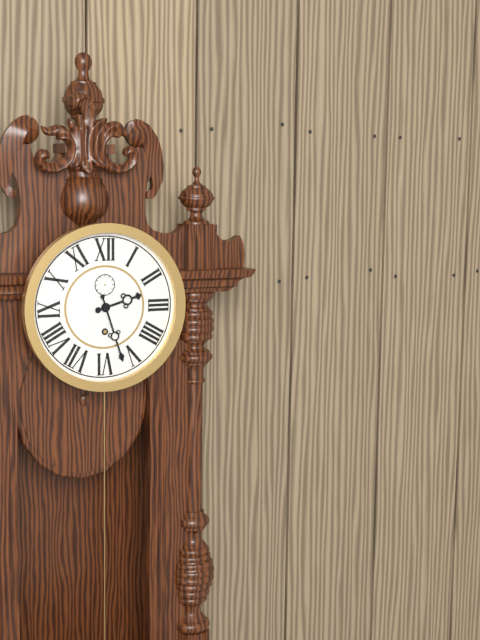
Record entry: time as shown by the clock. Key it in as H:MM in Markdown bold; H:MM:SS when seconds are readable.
**2:27**
